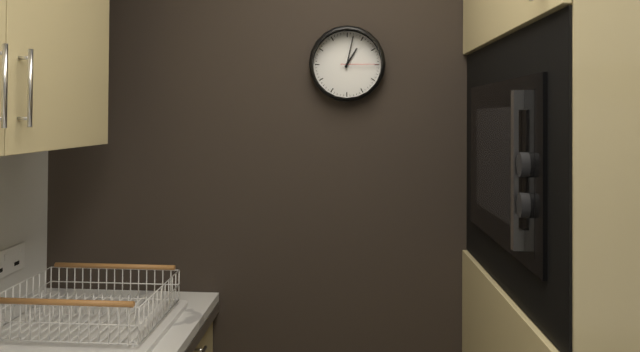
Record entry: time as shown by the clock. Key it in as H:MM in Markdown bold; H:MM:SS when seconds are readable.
**1:02**
